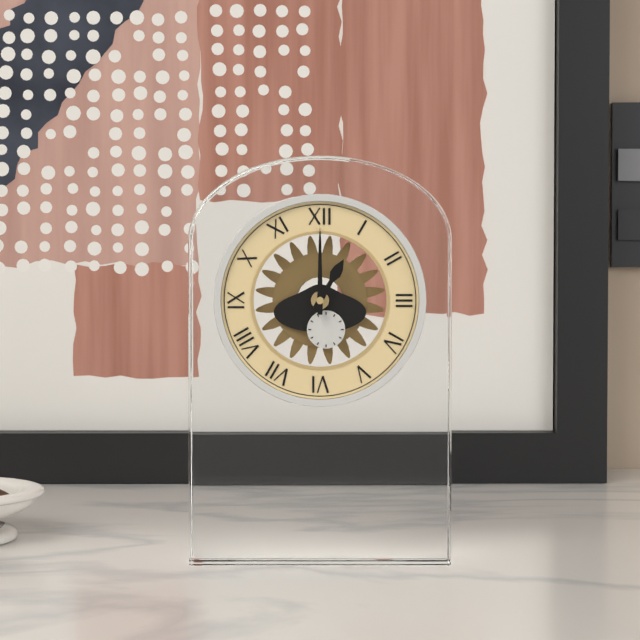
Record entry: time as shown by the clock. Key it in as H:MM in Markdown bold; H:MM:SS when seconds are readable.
**1:00**
